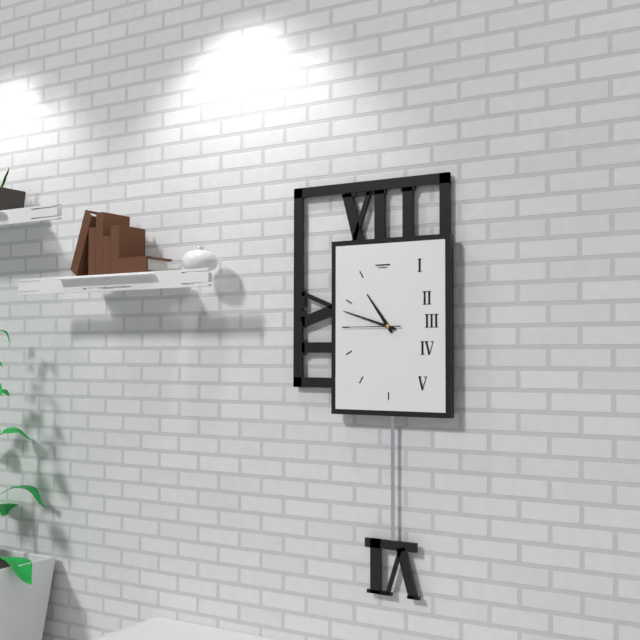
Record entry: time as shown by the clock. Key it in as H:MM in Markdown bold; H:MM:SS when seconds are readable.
**10:48:45**
